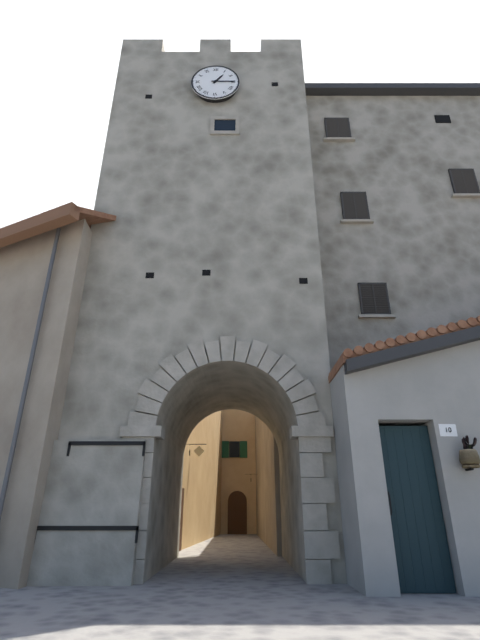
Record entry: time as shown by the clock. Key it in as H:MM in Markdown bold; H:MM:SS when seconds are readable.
**1:15**
